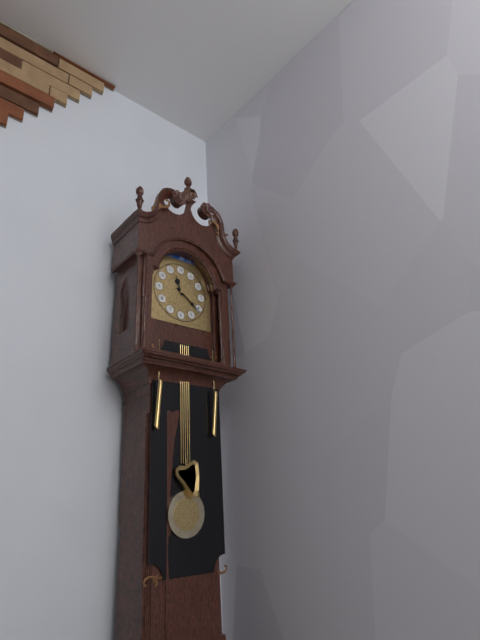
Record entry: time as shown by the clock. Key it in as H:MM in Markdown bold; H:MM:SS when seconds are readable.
**11:21**
